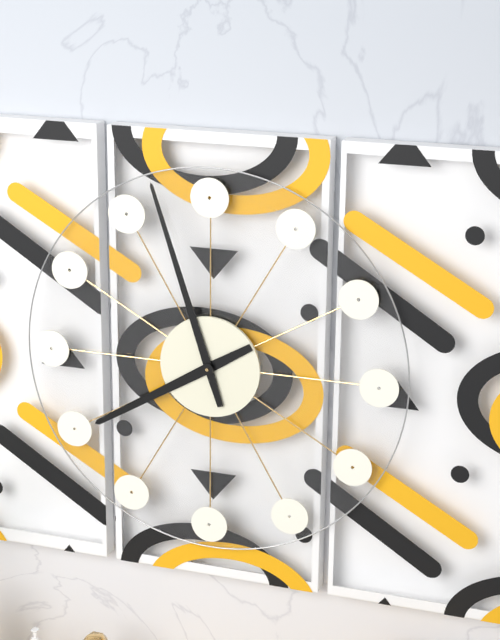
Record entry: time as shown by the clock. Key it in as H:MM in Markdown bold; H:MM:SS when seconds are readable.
**7:57**
